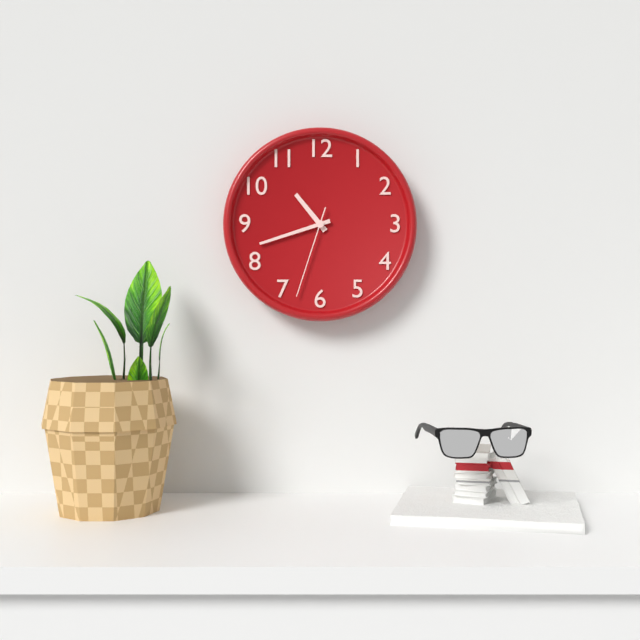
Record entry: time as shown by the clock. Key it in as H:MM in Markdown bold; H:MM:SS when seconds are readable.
**10:42:33**
